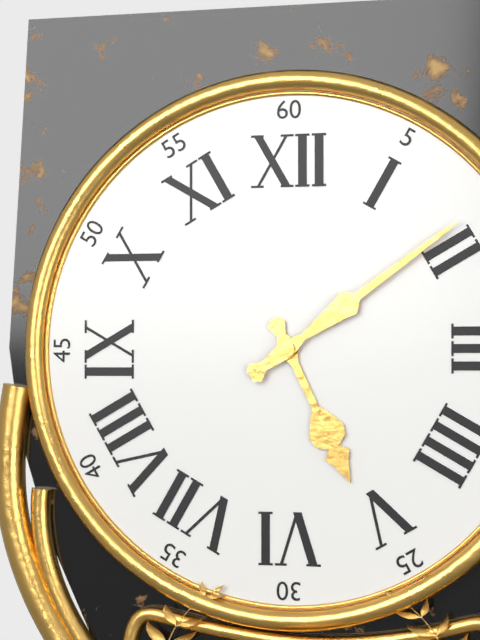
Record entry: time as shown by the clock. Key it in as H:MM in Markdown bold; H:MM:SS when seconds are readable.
**5:09**
